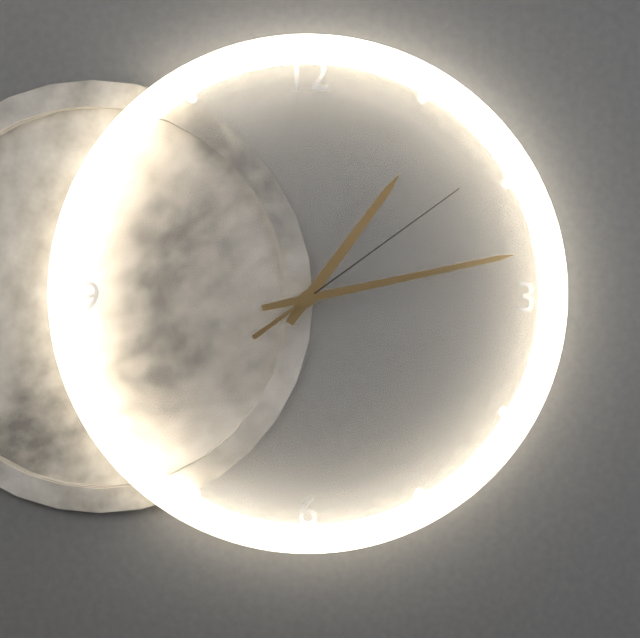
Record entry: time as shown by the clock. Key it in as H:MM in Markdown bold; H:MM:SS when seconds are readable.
**1:13:09**
